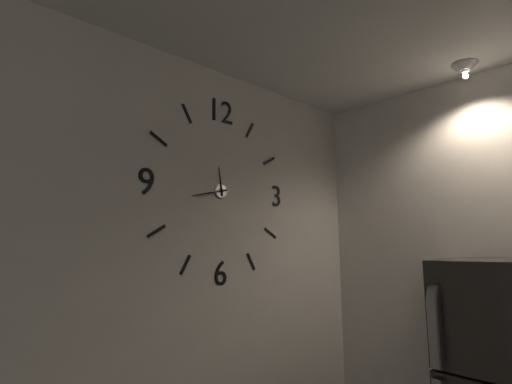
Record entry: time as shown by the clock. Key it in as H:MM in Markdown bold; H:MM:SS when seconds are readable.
**11:43**
